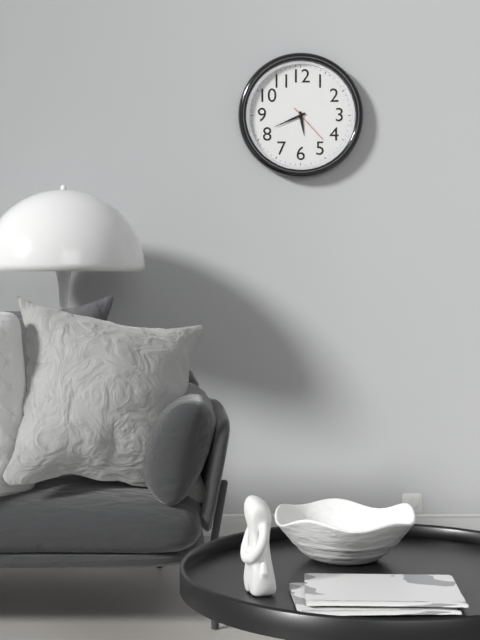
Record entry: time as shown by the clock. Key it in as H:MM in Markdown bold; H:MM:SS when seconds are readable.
**5:41**
